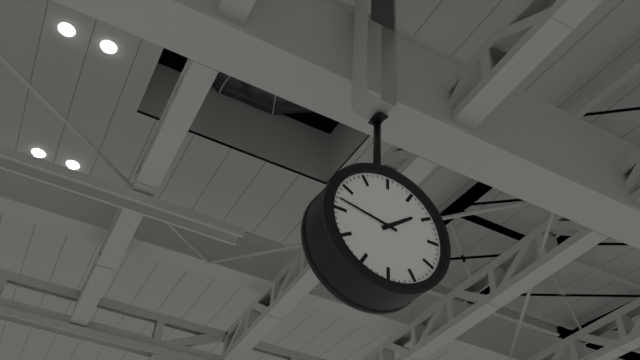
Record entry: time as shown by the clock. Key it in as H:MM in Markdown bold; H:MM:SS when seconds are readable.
**1:47**
